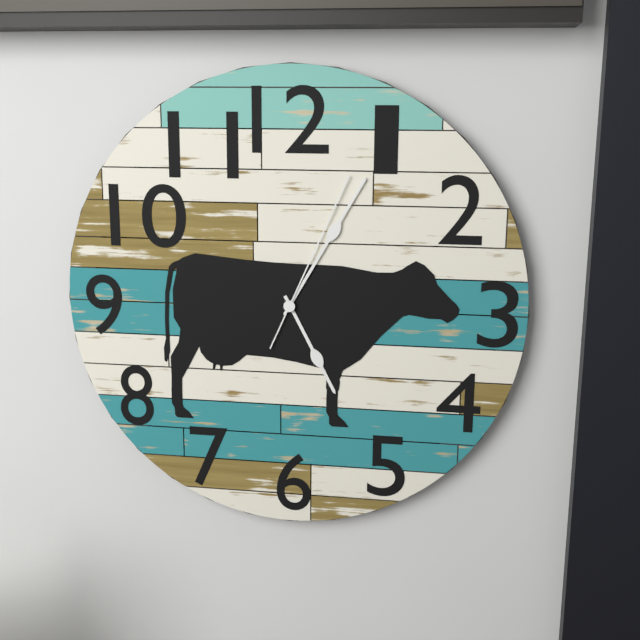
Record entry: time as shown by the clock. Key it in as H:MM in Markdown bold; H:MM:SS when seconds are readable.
**5:05:04**
